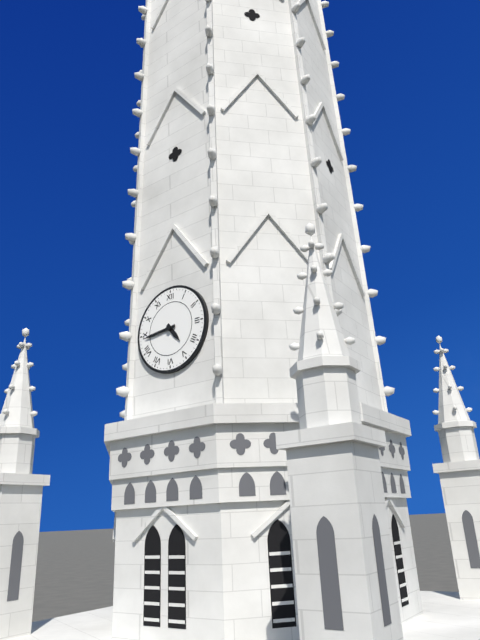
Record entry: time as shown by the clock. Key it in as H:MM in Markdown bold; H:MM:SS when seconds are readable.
**4:44**
